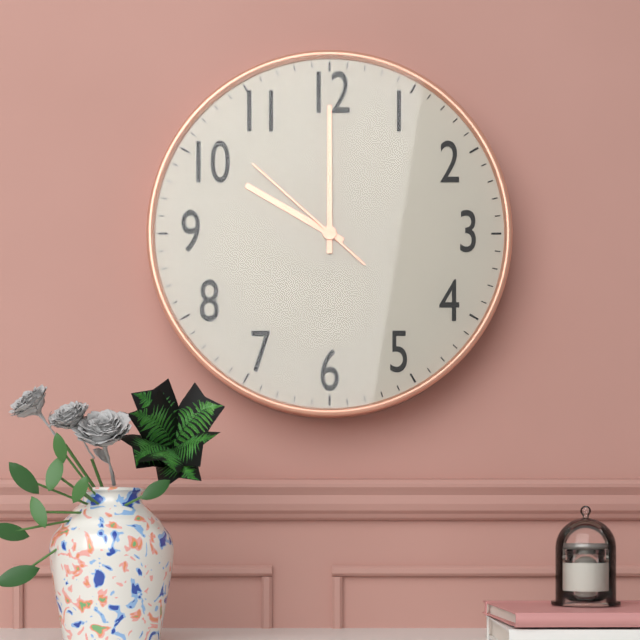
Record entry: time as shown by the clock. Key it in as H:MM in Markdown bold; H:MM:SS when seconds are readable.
**10:00:52**
